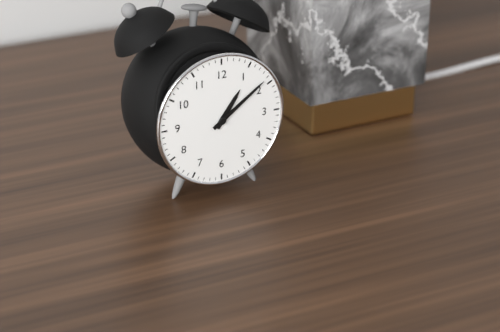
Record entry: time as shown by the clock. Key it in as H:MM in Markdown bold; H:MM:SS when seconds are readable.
**1:09**
